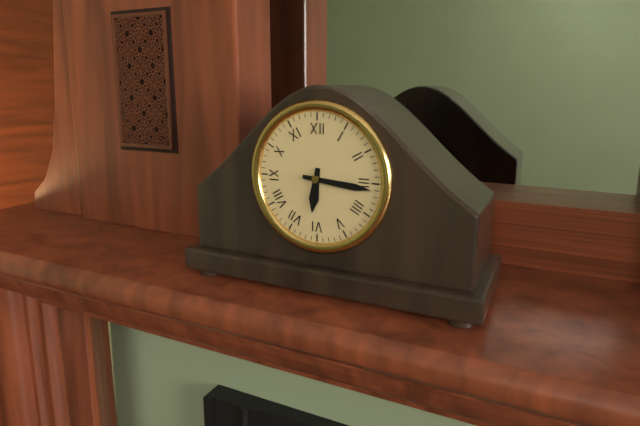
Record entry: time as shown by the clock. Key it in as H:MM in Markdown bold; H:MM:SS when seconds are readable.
**6:16**
